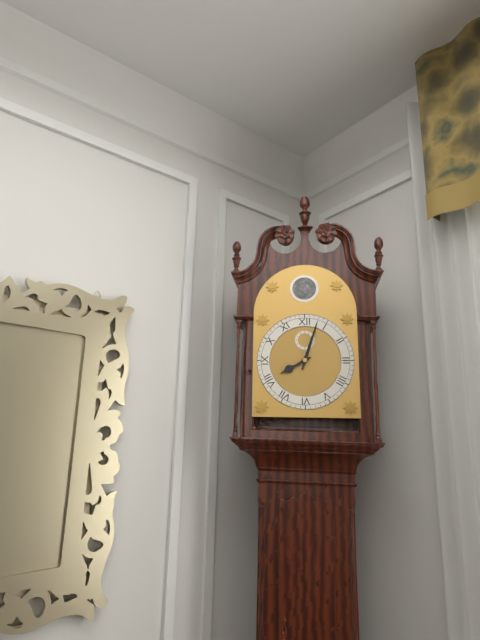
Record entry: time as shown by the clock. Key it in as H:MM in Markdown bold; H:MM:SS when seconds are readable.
**8:03**
